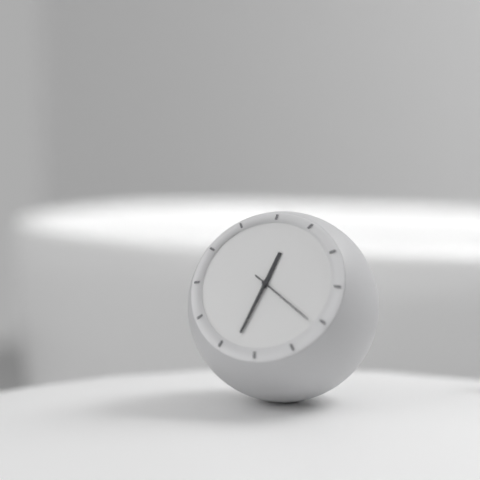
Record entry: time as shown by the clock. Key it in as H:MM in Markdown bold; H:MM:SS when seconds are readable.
**12:33:21**
